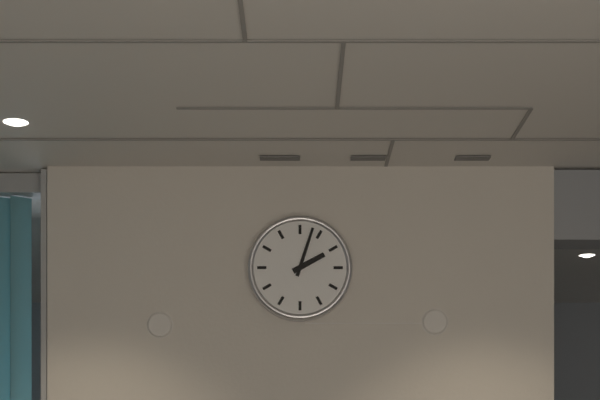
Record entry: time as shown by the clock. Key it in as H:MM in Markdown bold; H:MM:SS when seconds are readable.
**2:03**
